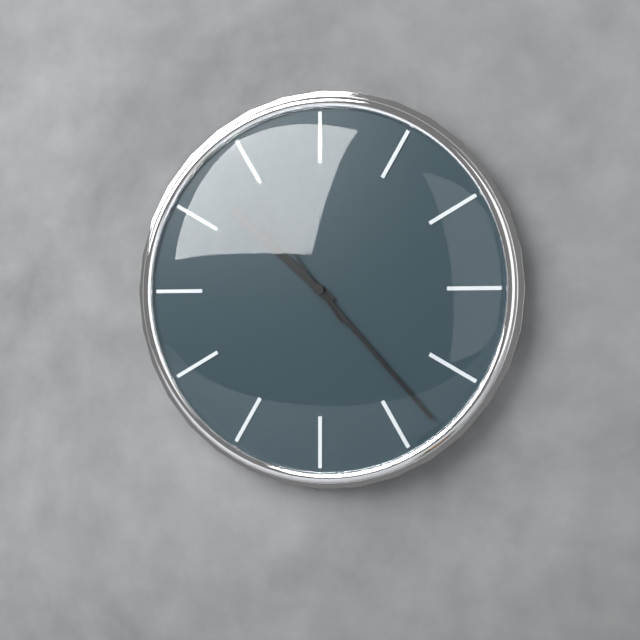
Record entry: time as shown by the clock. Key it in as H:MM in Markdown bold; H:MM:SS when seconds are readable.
**10:23:54**
